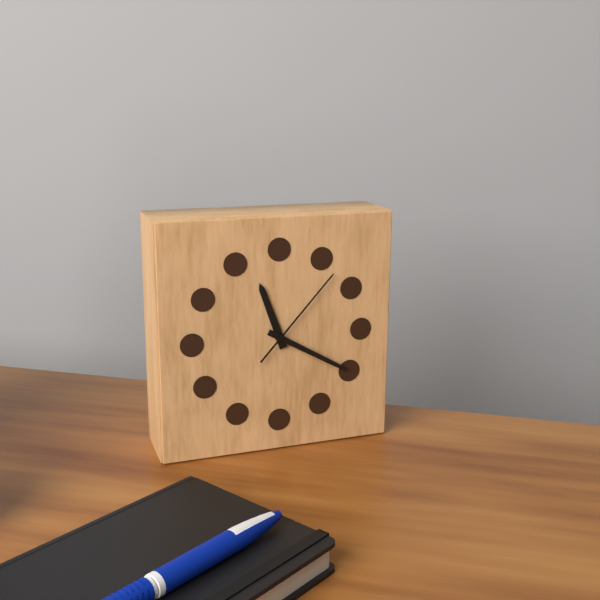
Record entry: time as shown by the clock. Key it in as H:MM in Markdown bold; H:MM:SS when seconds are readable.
**11:20:07**
